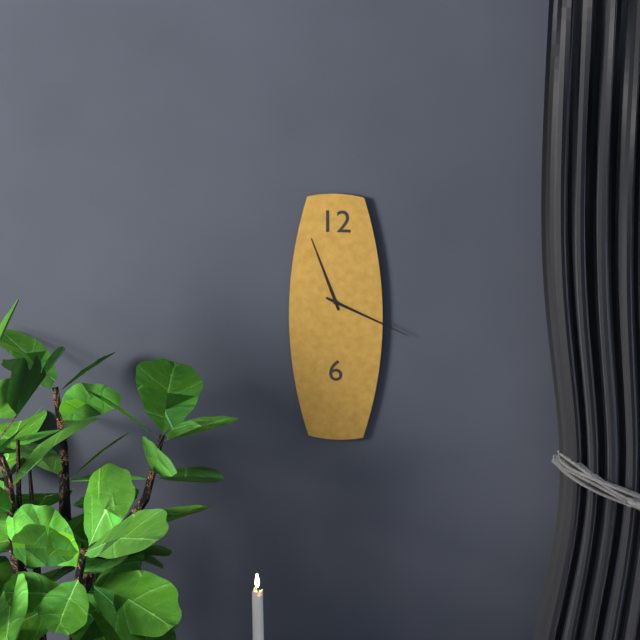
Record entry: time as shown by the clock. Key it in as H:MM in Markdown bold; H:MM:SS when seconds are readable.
**11:19**
